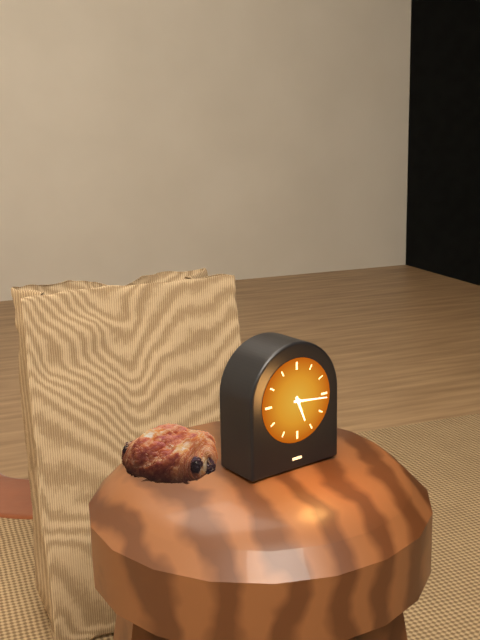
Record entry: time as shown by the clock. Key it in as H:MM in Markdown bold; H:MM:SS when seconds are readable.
**5:16**
